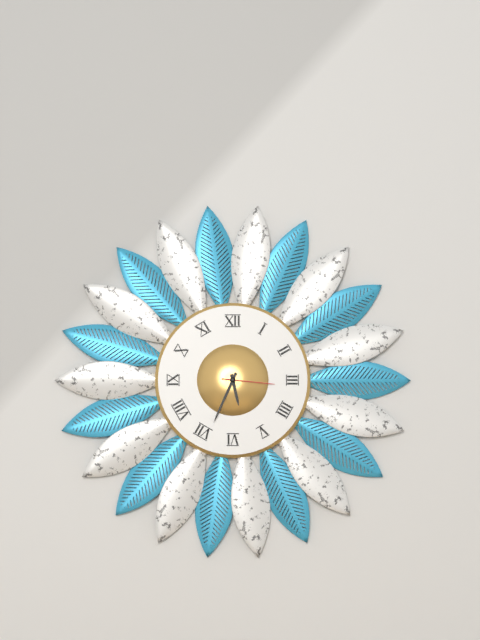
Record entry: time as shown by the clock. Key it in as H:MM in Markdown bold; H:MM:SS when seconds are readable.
**5:34:16**
